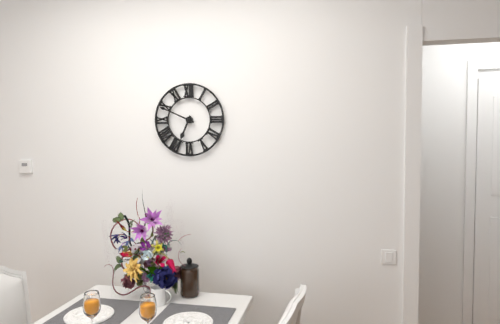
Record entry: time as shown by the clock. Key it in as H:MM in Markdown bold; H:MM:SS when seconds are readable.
**6:49**
